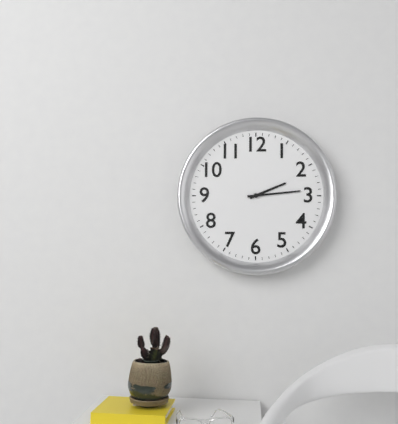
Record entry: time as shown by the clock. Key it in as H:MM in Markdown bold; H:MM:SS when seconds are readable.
**2:14**
